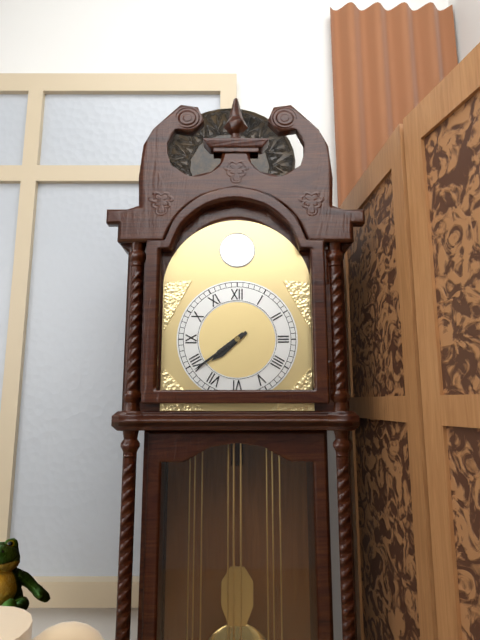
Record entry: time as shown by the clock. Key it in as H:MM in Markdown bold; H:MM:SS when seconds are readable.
**7:39**
